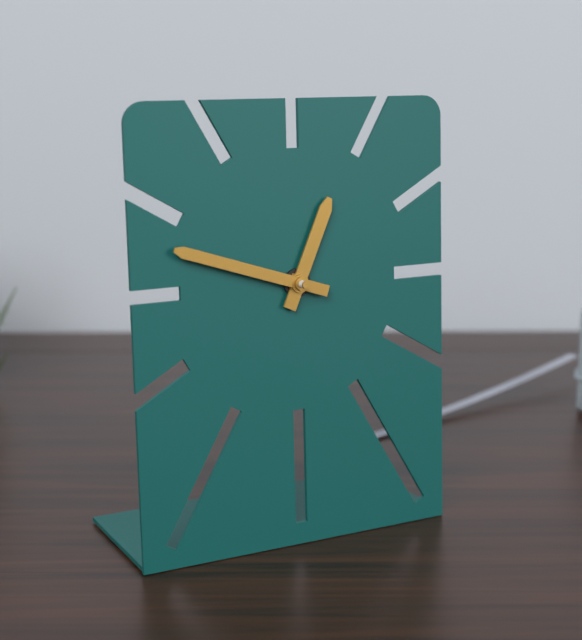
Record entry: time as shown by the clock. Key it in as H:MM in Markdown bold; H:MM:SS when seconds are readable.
**12:48**
